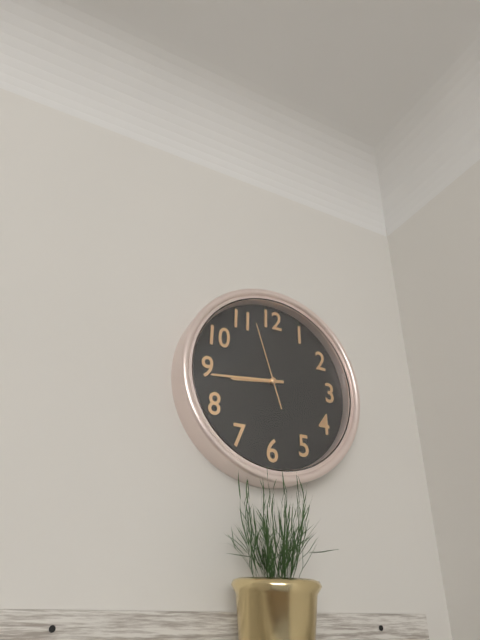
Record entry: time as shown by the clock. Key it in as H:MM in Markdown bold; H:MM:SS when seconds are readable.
**8:44:57**
